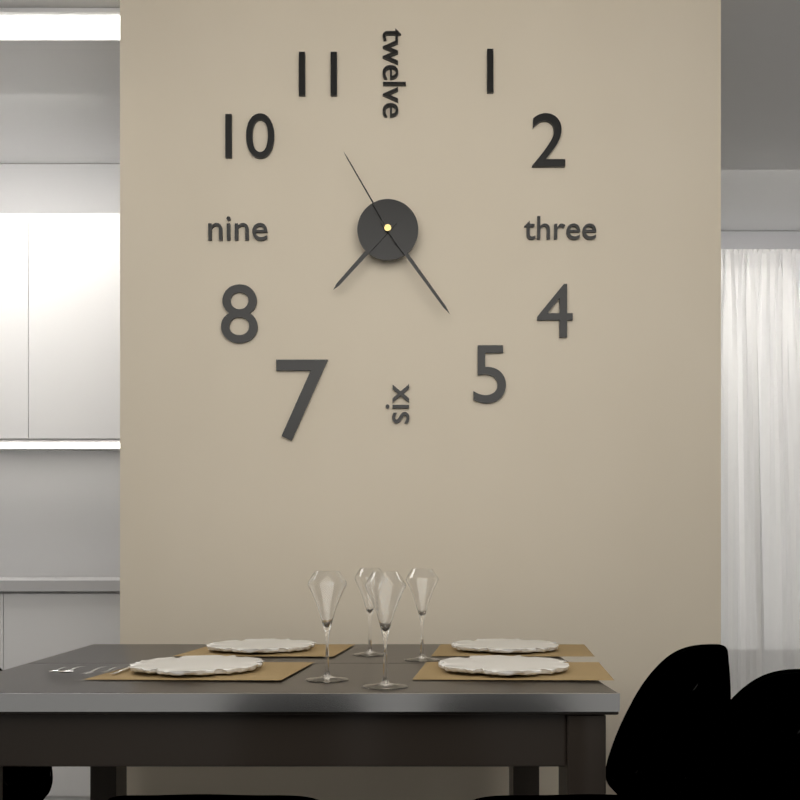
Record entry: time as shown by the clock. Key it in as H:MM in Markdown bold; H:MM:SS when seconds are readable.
**7:24:55**
